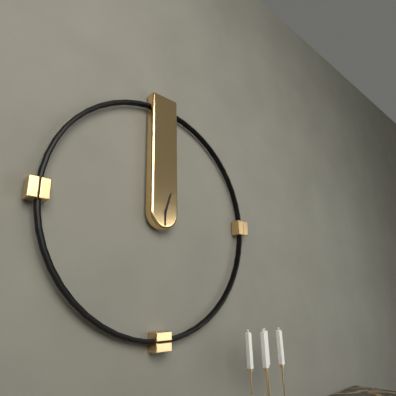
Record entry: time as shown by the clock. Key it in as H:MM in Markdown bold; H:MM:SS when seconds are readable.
**6:03**
